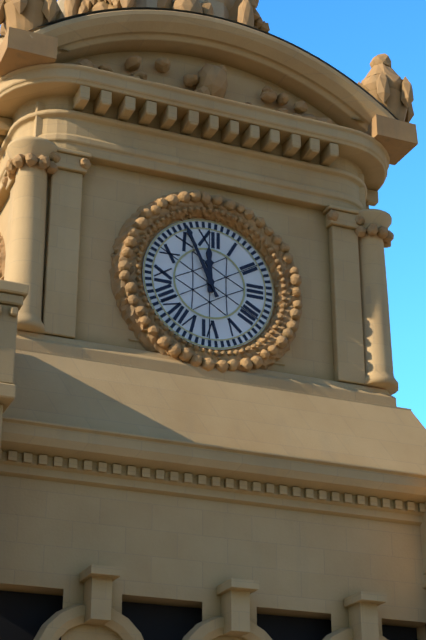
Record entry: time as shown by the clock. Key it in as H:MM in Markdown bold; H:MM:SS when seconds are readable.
**11:56**
